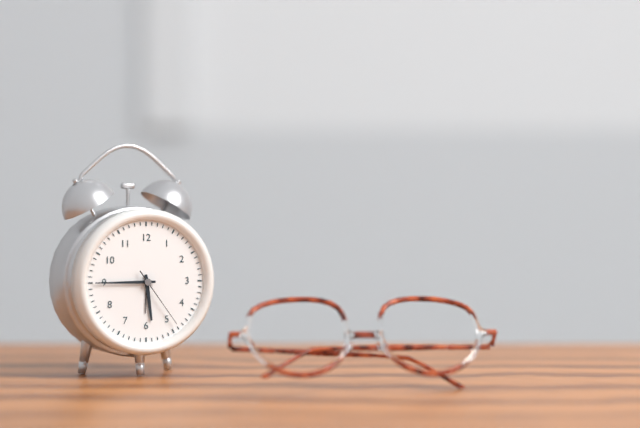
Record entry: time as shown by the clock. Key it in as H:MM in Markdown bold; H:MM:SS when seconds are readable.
**5:45:24**
